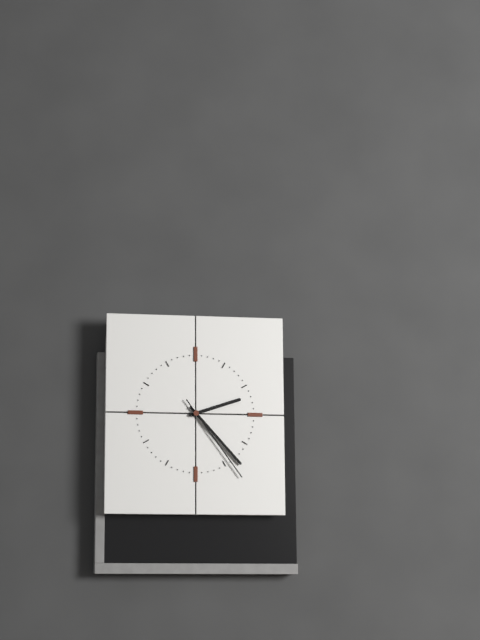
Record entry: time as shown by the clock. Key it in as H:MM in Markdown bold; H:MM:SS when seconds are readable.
**2:23:24**
